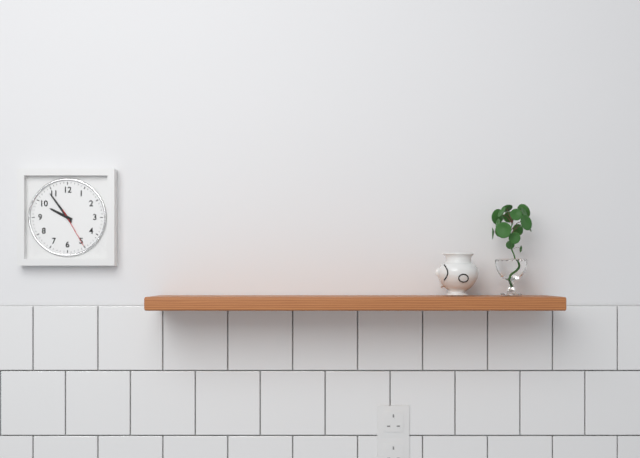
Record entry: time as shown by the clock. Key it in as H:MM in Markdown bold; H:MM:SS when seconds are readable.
**9:54**
